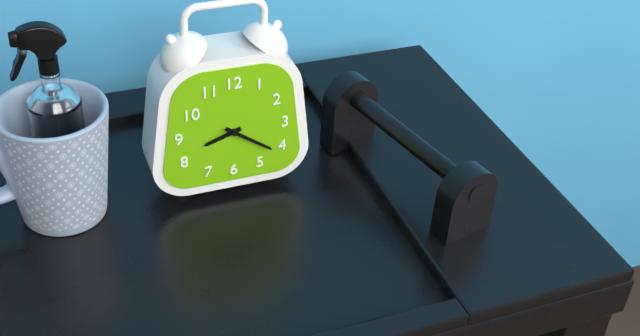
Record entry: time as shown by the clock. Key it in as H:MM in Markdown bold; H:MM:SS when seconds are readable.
**8:21**
